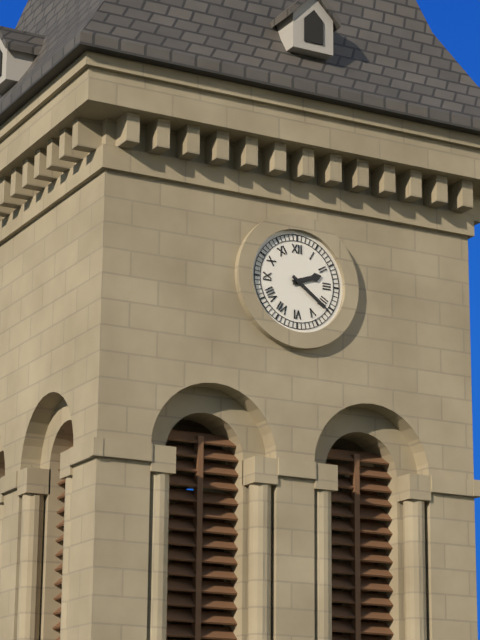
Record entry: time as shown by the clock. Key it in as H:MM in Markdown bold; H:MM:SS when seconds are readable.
**2:21**
